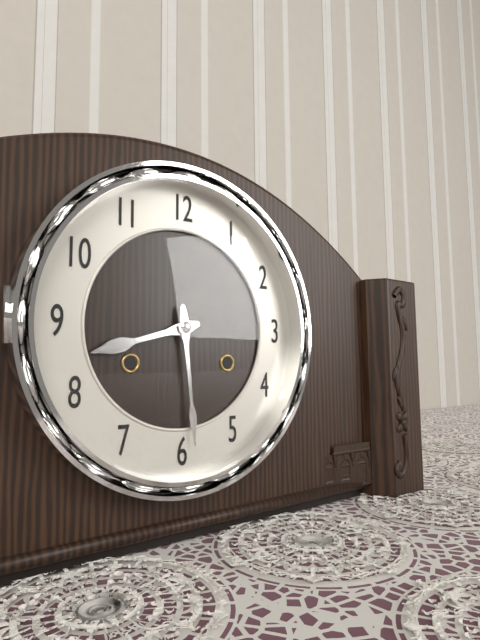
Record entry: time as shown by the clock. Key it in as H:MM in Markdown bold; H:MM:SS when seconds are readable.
**8:29**
